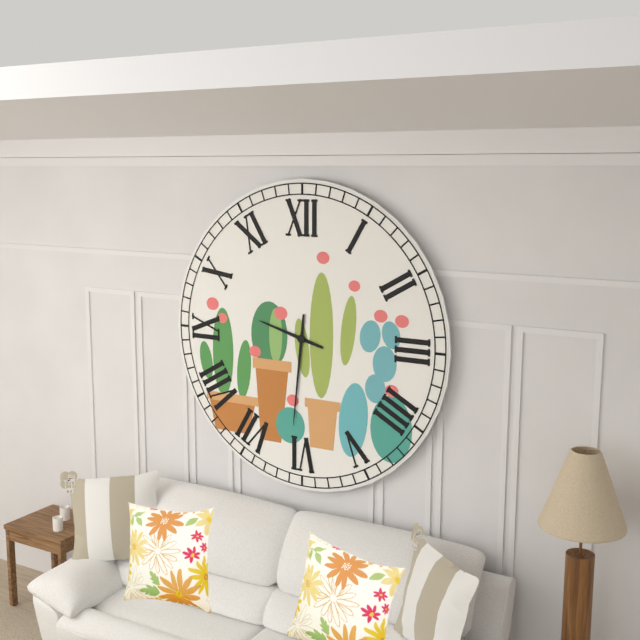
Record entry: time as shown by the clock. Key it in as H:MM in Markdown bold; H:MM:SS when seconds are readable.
**9:31**
